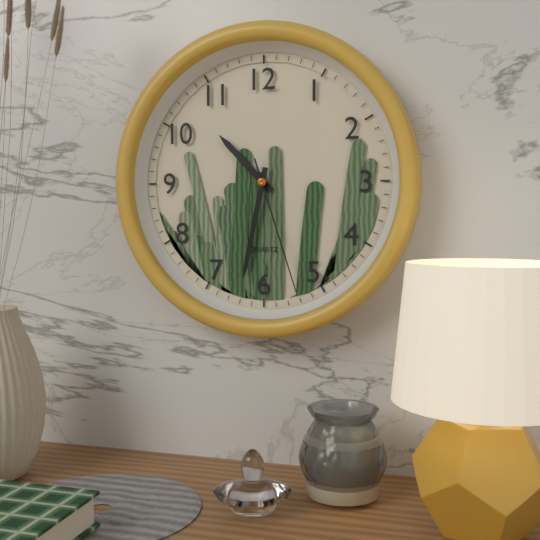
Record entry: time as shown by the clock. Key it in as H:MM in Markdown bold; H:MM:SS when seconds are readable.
**10:32:27**
